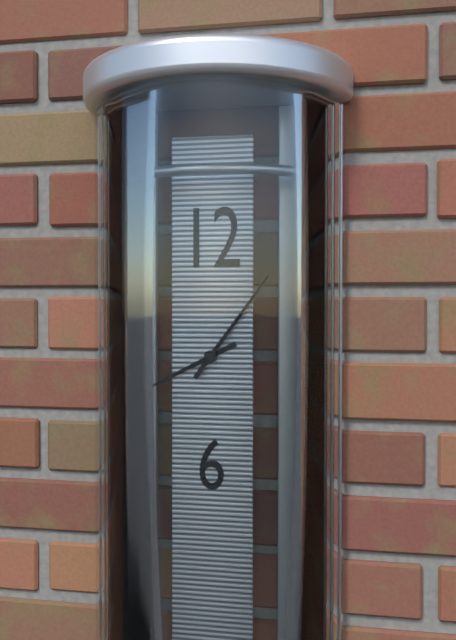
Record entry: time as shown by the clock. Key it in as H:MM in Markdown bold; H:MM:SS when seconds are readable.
**8:06**
